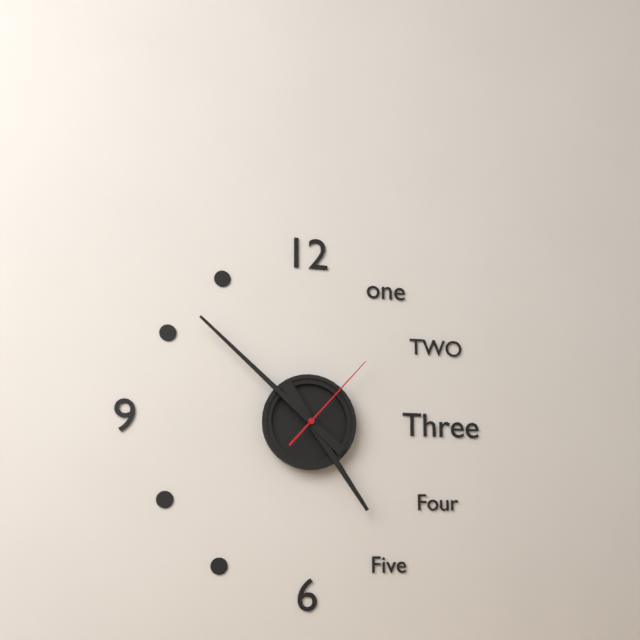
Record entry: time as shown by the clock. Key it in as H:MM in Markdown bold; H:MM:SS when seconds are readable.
**4:52:07**
